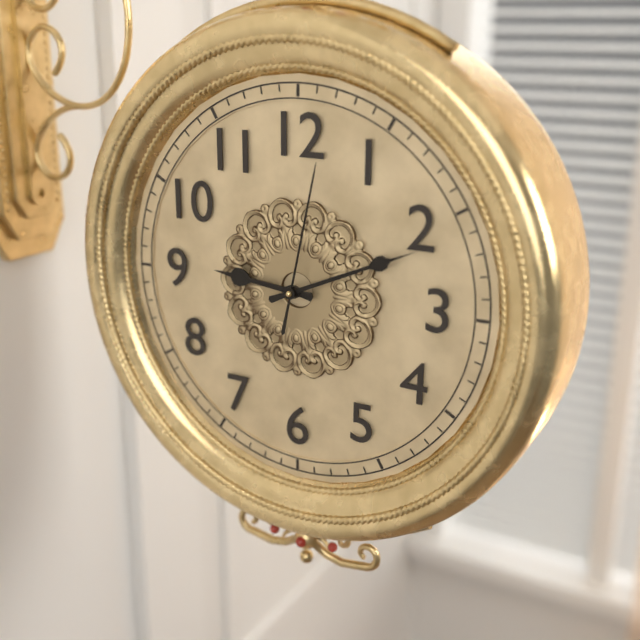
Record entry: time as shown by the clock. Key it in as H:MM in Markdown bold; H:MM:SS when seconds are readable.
**9:11:02**
